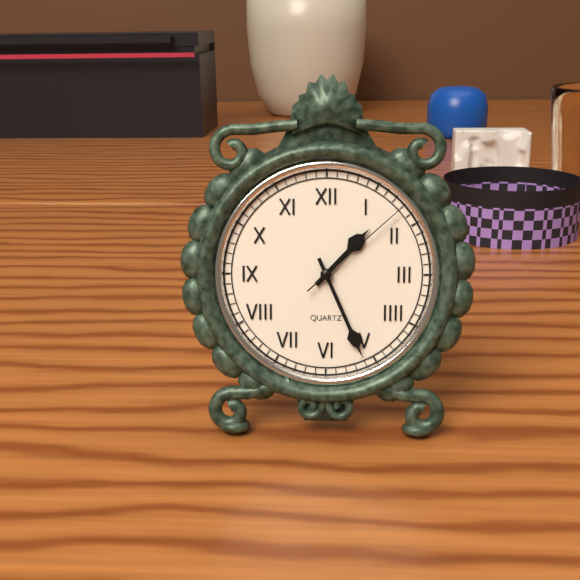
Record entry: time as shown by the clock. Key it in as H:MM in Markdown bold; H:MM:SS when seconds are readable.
**1:26:08**
